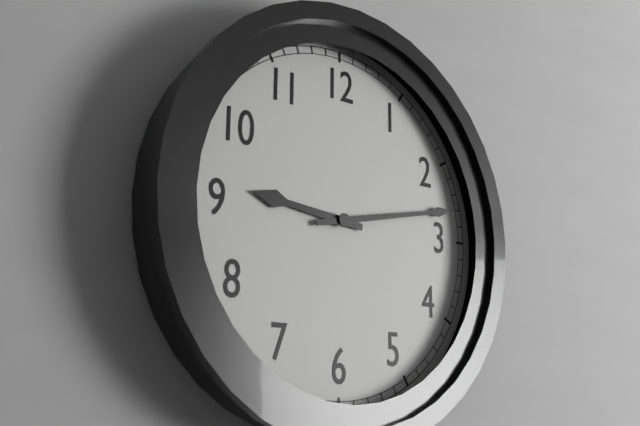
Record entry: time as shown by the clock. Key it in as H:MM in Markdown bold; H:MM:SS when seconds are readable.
**9:13**
